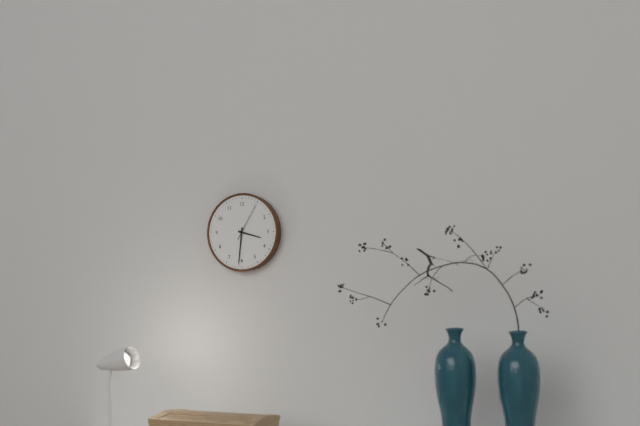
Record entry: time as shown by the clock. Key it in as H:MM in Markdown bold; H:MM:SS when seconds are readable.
**3:31**
